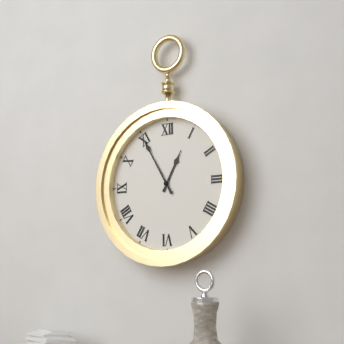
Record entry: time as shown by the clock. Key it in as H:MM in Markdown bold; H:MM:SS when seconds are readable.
**12:55**
